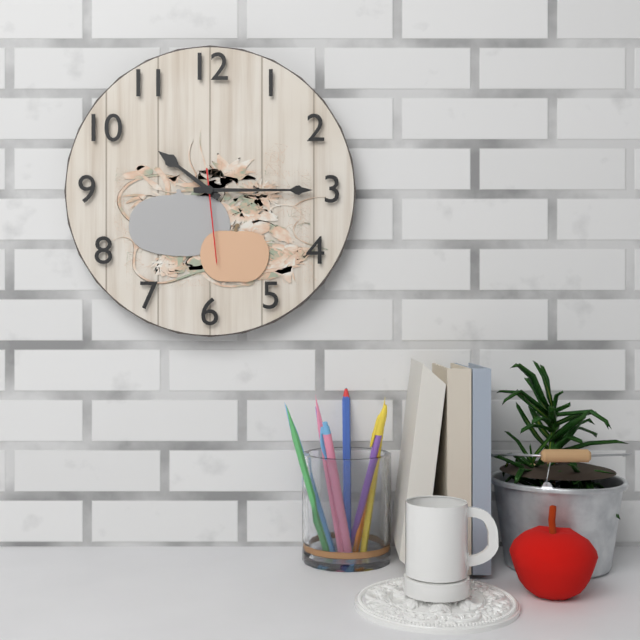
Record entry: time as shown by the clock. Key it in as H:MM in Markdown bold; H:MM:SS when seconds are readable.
**10:15:29**
